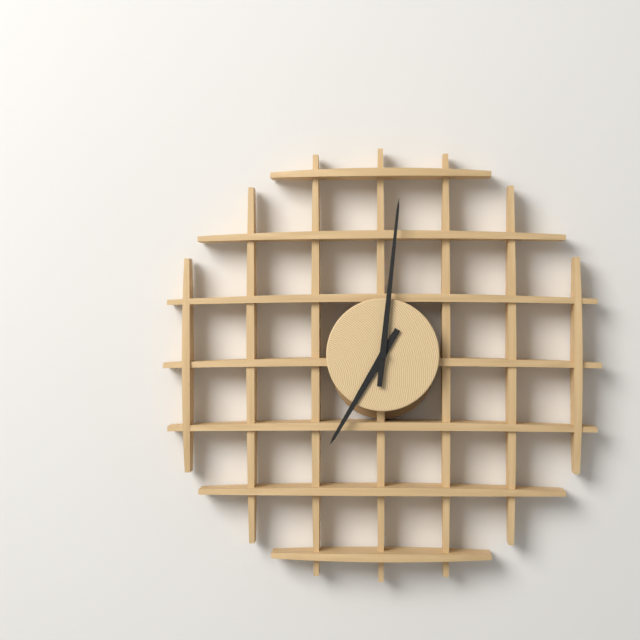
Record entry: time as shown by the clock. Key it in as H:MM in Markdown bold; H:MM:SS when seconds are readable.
**7:01**
